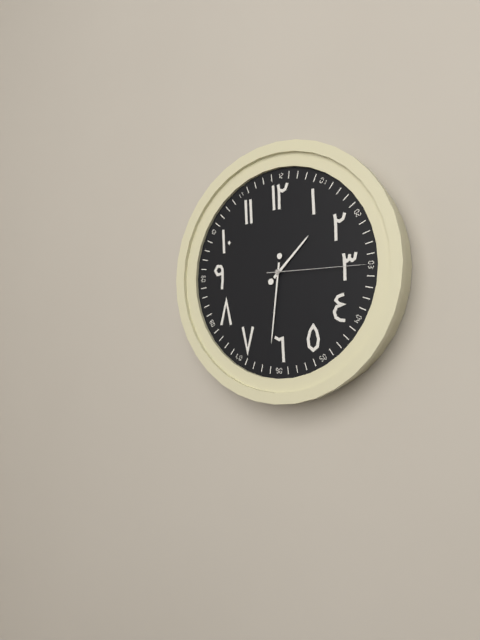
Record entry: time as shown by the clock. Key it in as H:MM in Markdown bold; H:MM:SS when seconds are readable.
**1:31:15**
